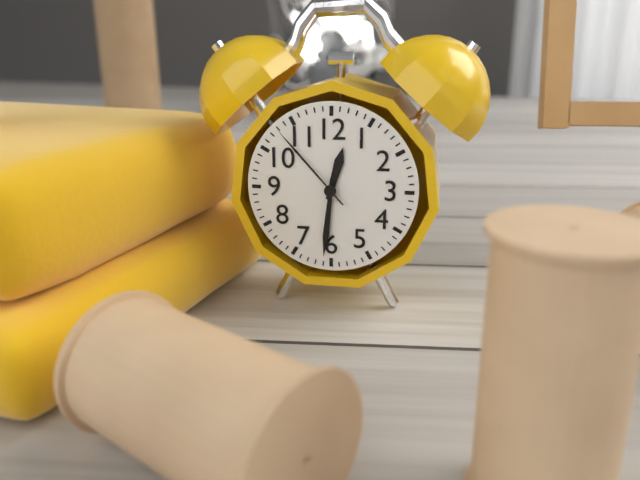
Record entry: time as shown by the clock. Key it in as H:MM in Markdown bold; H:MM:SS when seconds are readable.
**12:31:53**
